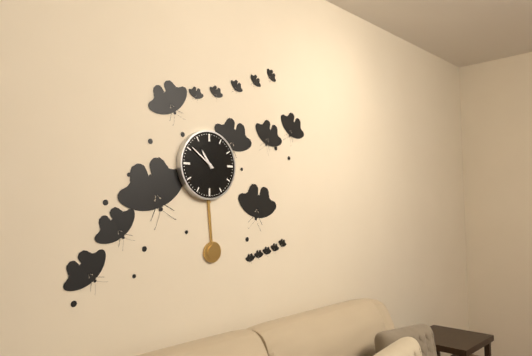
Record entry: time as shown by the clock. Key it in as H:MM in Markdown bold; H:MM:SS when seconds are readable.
**10:51**
